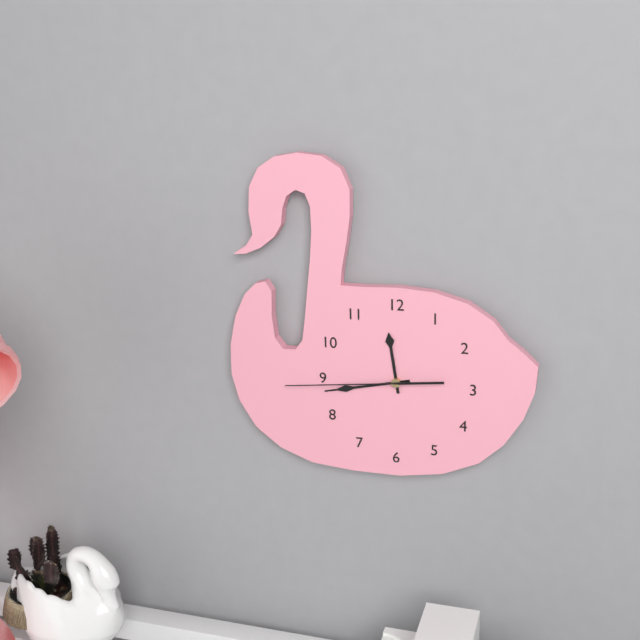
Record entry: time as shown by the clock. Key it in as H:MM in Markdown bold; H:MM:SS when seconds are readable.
**11:43:44**
